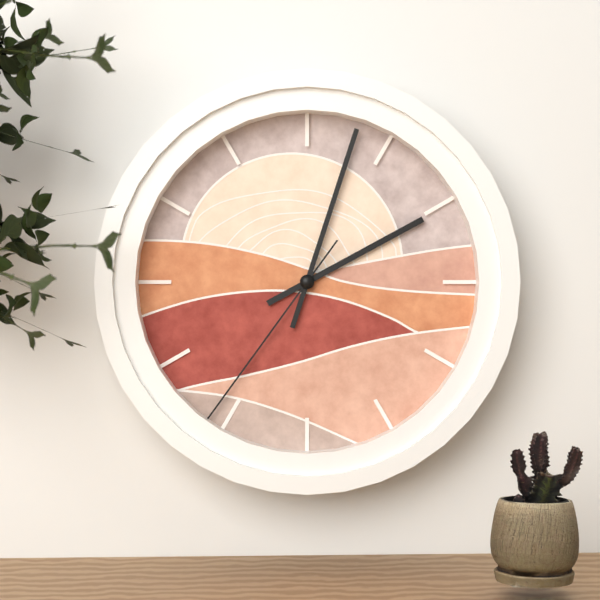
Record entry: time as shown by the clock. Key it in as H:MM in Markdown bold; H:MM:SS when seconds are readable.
**2:03:36**
